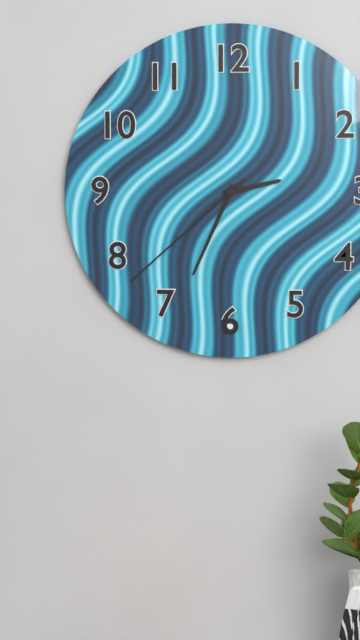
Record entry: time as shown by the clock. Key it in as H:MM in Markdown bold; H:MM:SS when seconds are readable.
**2:34:38**
